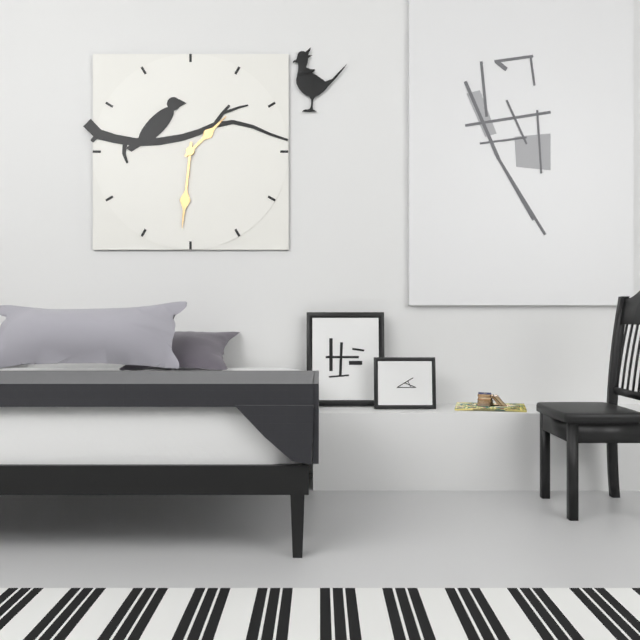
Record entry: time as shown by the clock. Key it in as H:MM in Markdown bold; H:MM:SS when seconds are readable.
**1:31**
